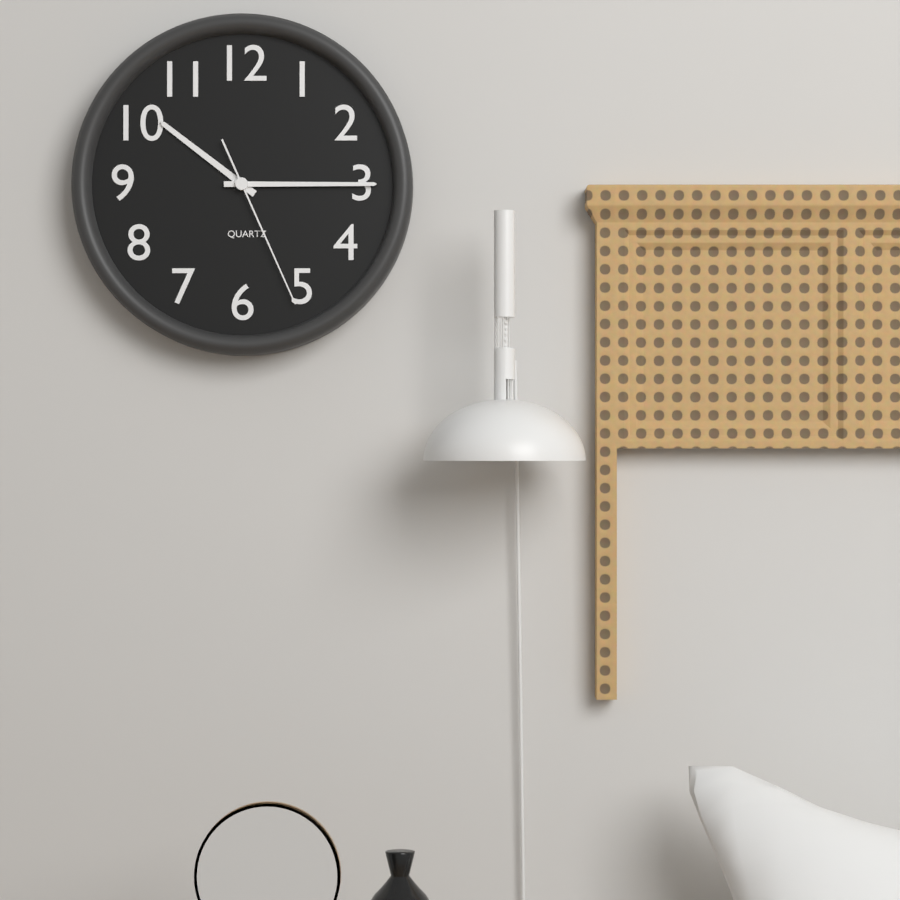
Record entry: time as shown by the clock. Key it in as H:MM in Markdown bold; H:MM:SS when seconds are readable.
**10:15:26**
